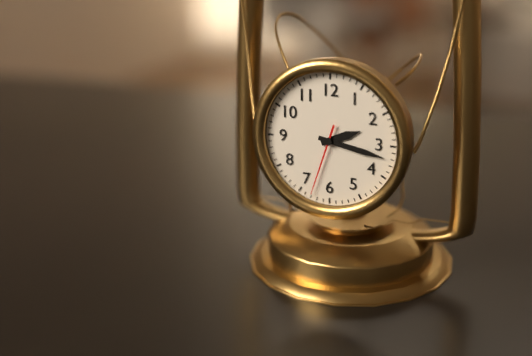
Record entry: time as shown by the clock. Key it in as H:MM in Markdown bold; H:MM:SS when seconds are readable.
**2:17:33**
